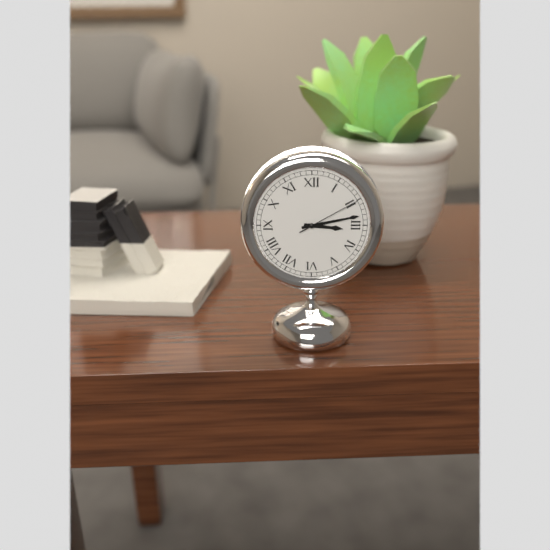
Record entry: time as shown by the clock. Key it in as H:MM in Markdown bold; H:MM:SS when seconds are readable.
**3:13:10**
